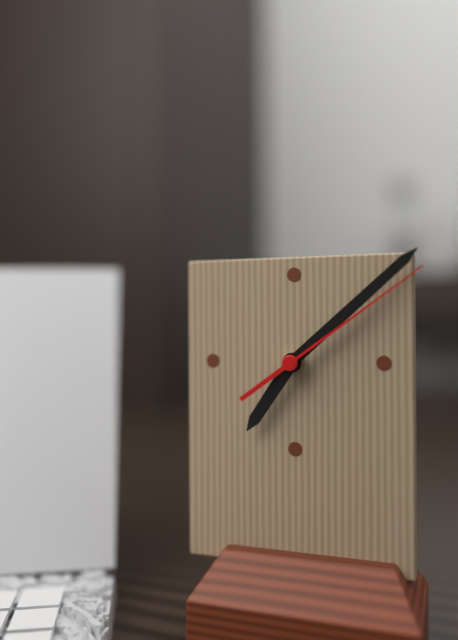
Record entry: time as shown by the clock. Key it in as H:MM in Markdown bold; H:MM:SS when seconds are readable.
**7:08:09**
